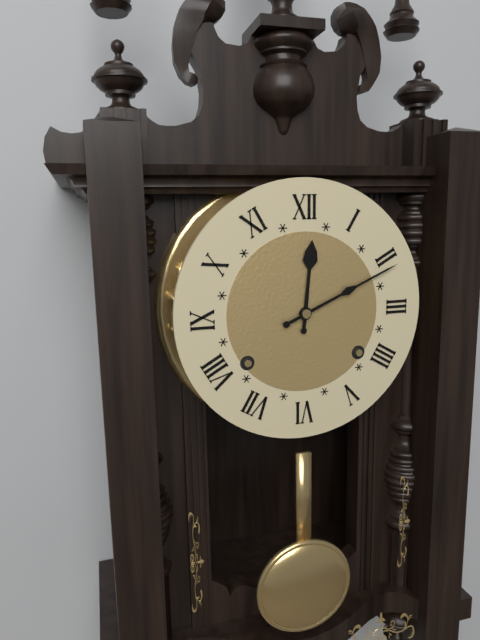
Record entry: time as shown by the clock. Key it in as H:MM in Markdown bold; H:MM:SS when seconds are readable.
**12:11**
